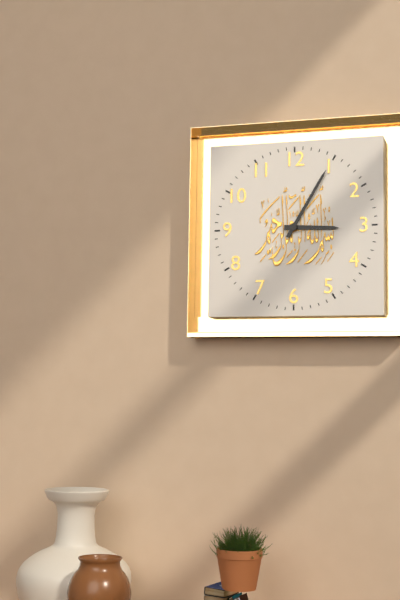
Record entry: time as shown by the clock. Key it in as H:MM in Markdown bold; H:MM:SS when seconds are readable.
**3:05**
